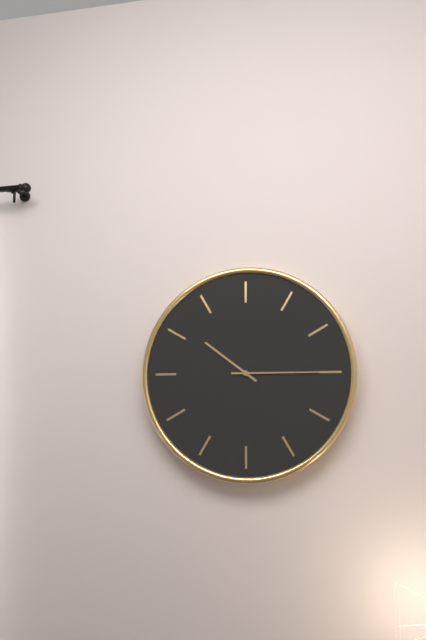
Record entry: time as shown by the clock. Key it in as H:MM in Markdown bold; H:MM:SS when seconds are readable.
**10:15**
